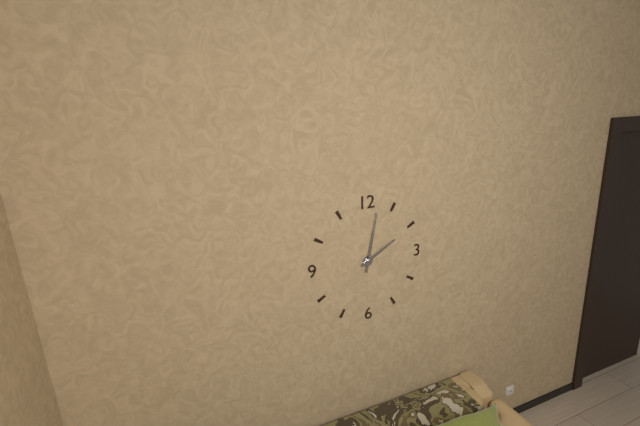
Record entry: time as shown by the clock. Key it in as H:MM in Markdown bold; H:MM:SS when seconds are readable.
**2:02**
